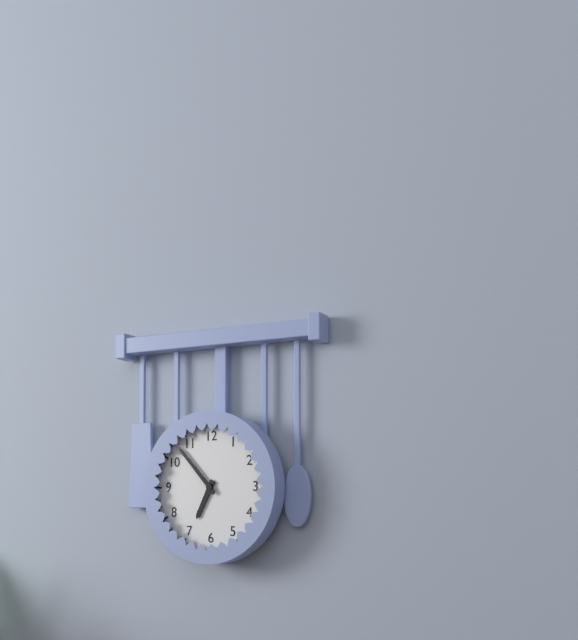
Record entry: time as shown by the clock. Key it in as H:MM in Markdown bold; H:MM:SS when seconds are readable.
**6:53**
